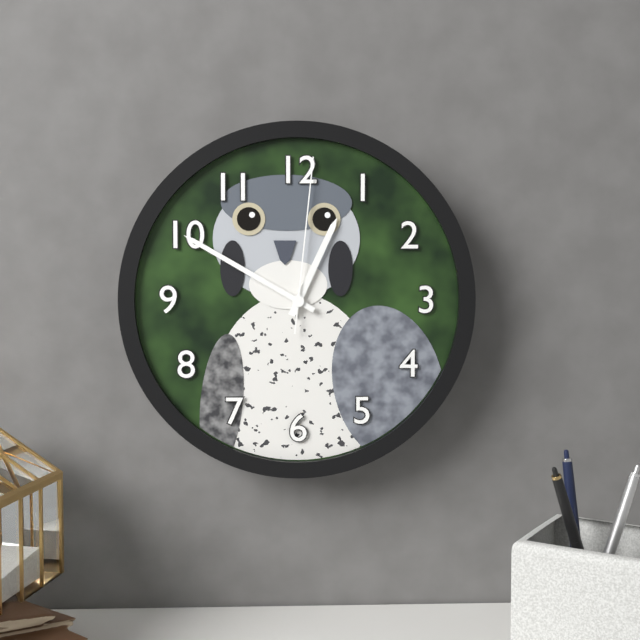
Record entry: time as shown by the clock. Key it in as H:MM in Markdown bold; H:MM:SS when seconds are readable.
**12:50:01**
